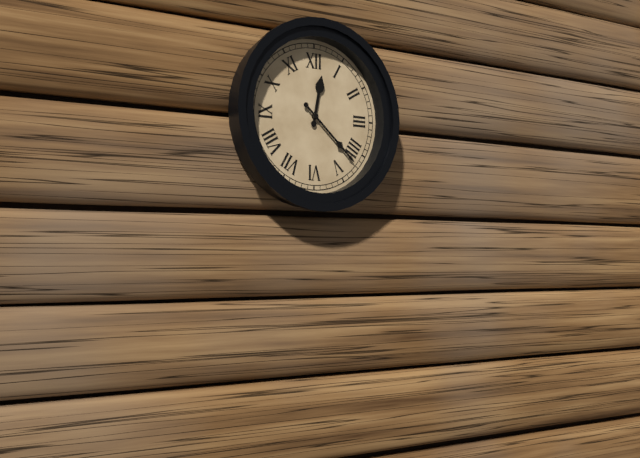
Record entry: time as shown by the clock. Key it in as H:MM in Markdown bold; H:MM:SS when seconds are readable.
**12:22**
